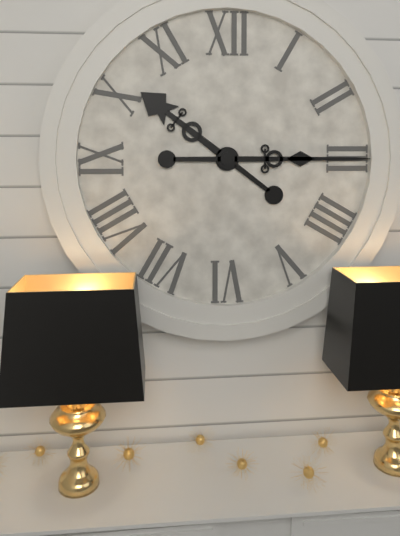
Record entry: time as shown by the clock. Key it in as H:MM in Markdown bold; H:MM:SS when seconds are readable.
**10:15**
